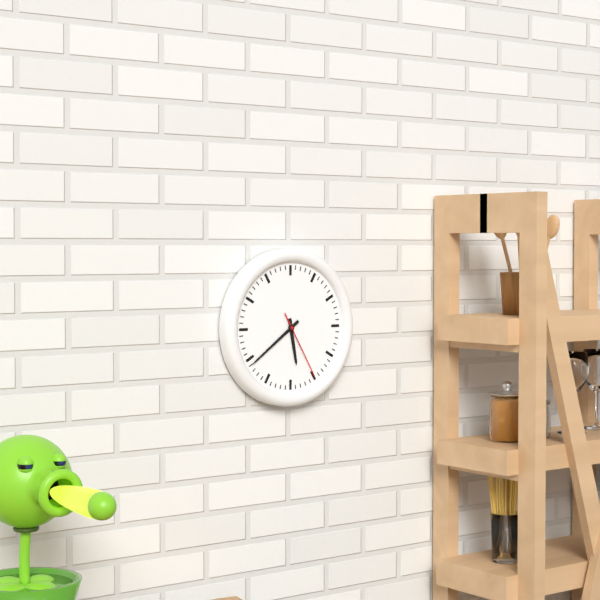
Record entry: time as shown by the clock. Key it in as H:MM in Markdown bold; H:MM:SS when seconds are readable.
**5:39:25**
